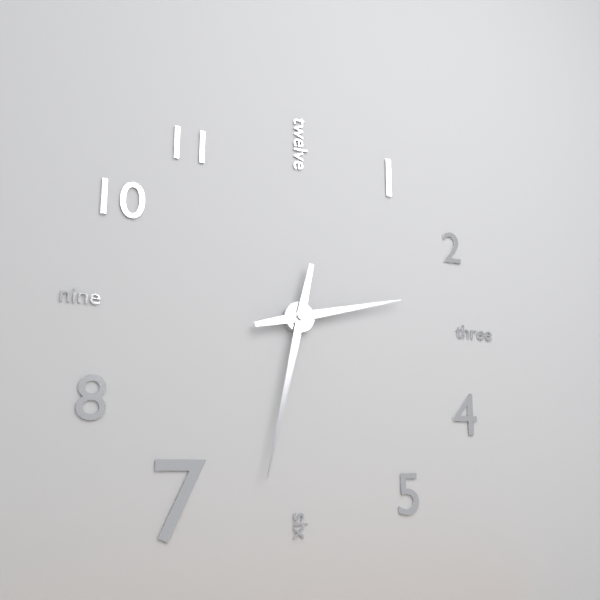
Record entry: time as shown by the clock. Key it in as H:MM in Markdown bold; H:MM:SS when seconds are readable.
**2:32**
